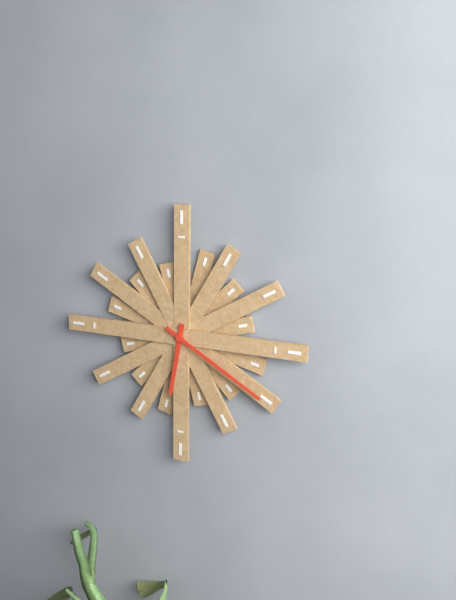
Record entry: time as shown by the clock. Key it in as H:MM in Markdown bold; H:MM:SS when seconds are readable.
**6:20**
